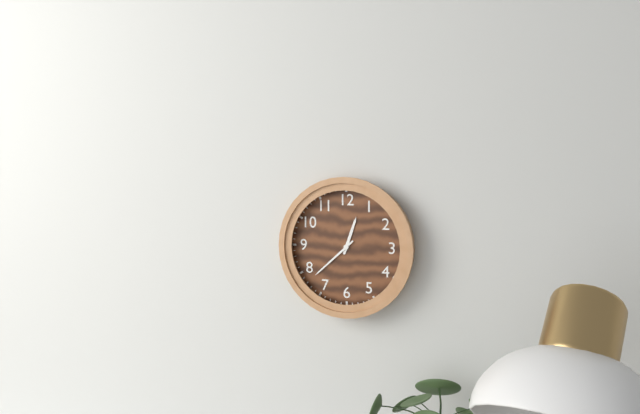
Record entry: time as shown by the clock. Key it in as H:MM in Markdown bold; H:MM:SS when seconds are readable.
**12:38**
